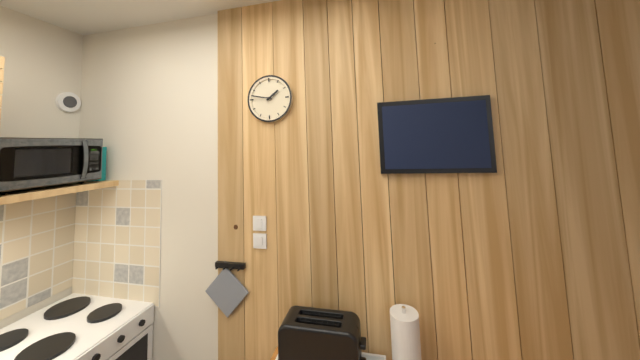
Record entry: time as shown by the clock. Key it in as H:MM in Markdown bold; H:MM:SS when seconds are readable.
**1:47**
